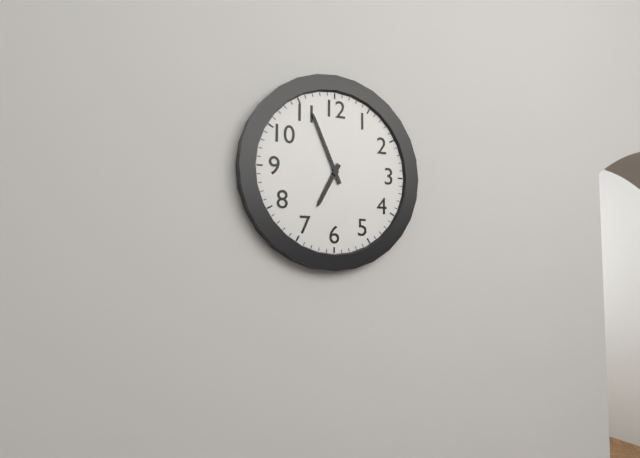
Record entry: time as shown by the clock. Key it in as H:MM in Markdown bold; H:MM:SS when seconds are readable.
**6:56**
